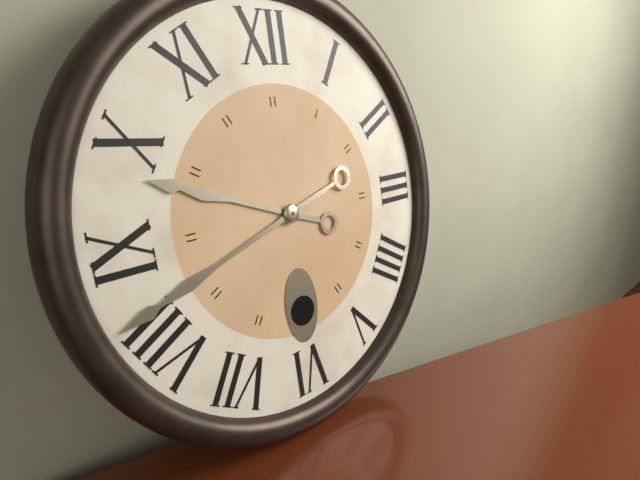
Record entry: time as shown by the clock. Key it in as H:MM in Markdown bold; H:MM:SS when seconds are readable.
**9:42**
